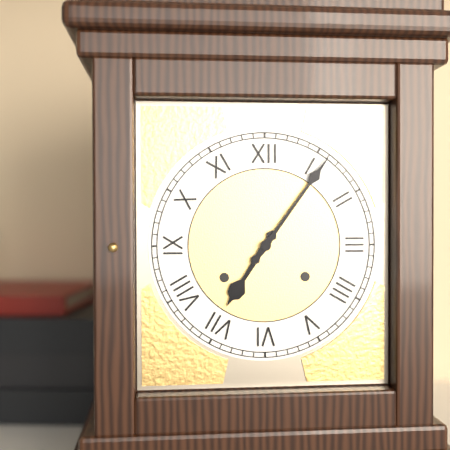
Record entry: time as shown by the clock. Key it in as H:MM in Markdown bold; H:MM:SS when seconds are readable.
**7:06**
